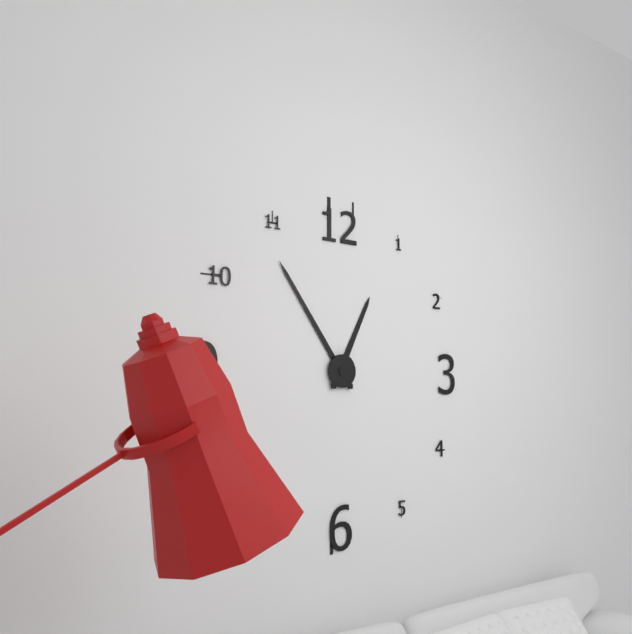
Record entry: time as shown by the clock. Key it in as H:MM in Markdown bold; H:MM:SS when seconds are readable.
**12:54**
